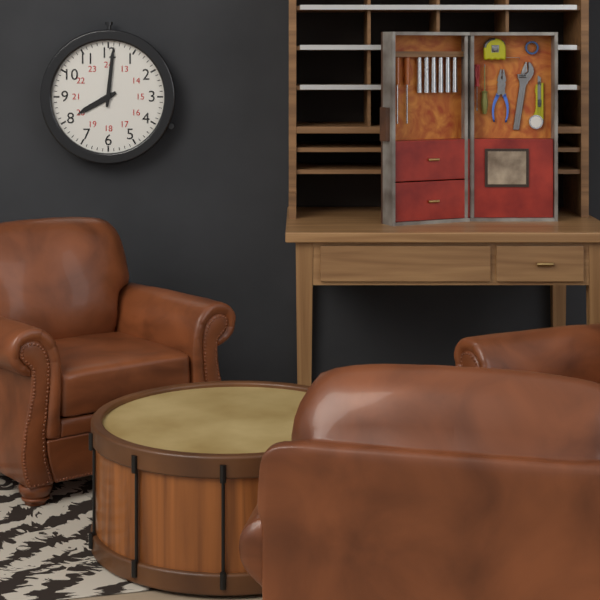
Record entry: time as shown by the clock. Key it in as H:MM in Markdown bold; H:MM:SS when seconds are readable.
**8:01**
